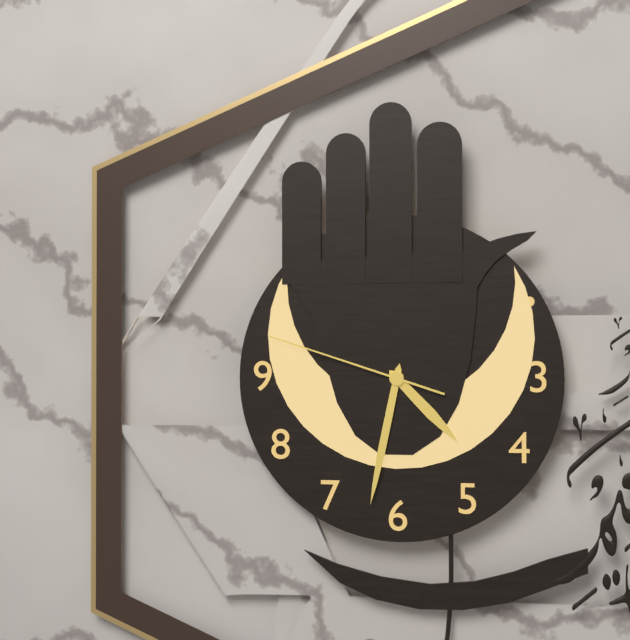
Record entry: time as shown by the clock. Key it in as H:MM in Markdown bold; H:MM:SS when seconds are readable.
**4:32:48**
